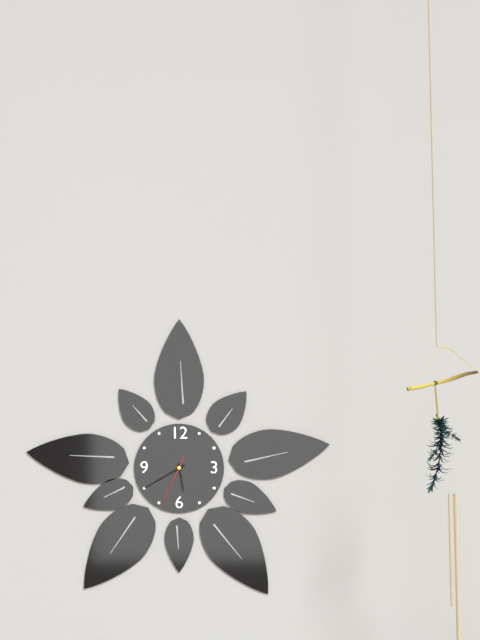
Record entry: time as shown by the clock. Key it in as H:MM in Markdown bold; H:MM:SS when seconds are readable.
**5:40:34**
